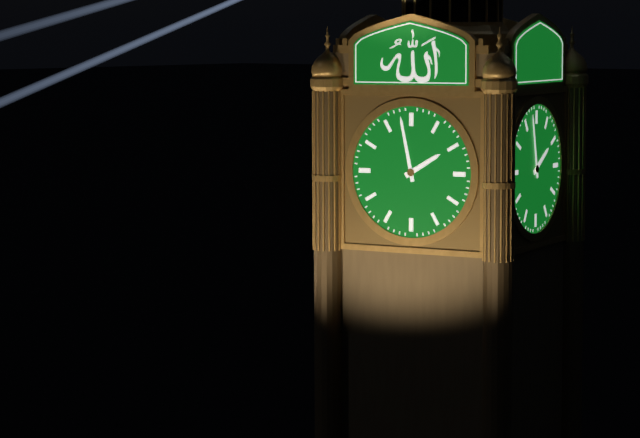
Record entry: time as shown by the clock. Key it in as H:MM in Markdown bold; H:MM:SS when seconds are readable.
**1:58**
